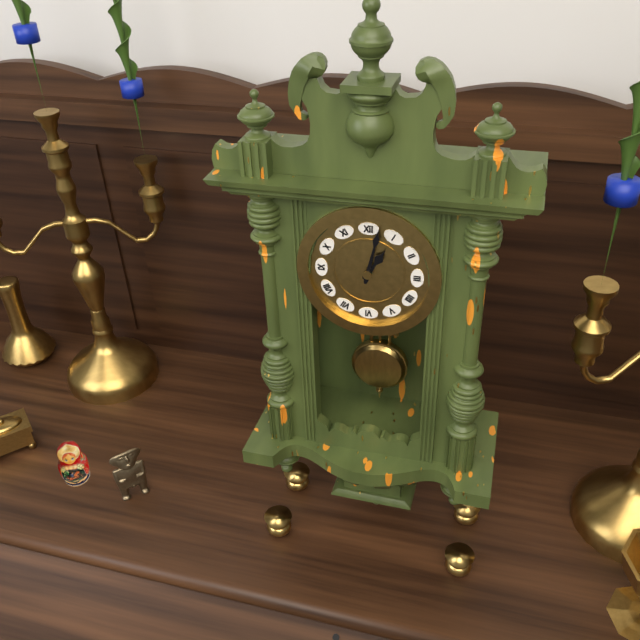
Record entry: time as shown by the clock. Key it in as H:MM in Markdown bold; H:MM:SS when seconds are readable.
**1:02**
